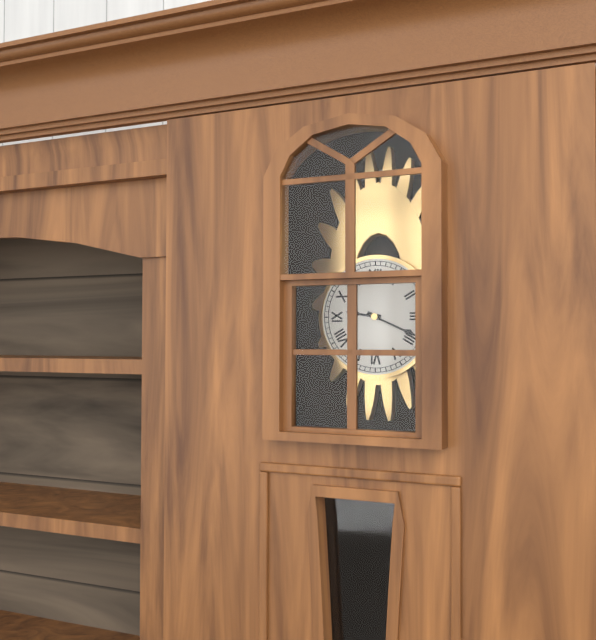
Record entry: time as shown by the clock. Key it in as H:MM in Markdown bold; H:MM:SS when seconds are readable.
**9:19**
